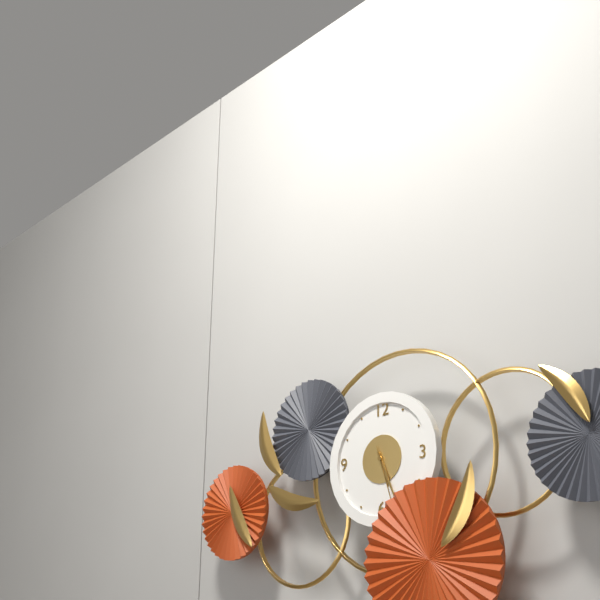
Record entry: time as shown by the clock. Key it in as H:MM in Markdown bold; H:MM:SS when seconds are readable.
**5:26:27**
